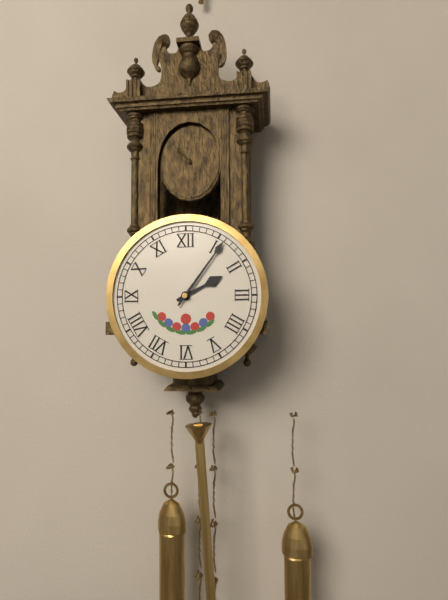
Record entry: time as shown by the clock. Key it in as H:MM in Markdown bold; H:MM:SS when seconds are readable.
**2:06**
